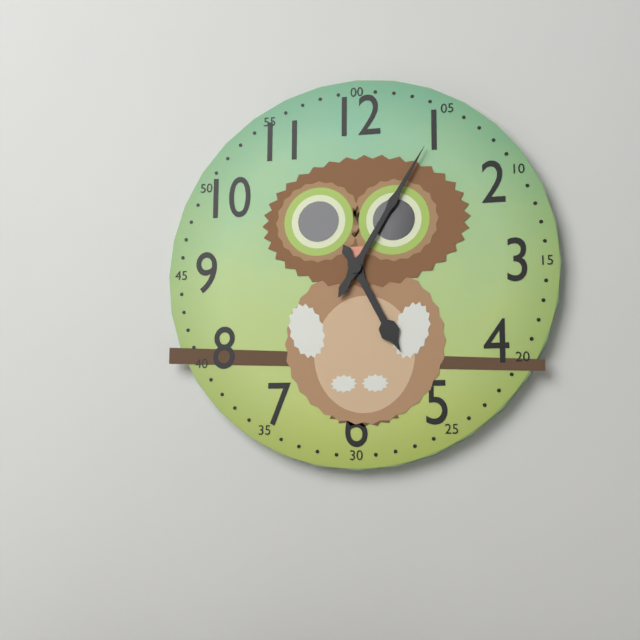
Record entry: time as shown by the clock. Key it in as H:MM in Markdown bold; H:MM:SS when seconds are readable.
**5:05**
